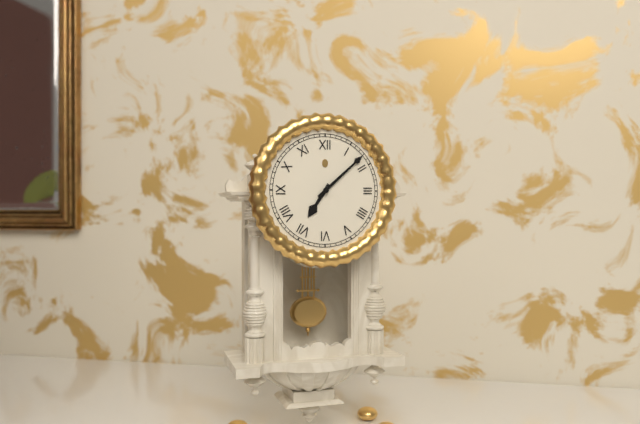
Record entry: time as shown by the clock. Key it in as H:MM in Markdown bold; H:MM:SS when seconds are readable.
**7:08**
